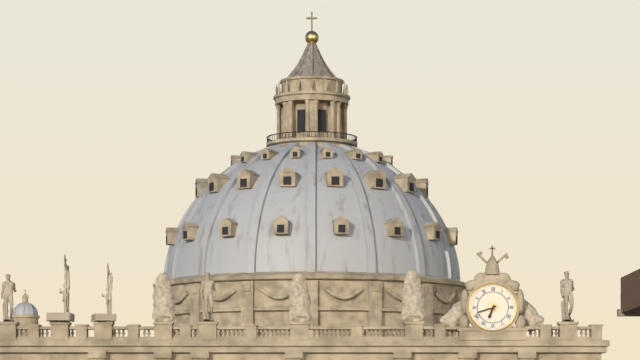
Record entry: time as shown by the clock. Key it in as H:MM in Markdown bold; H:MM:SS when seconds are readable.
**6:42**
